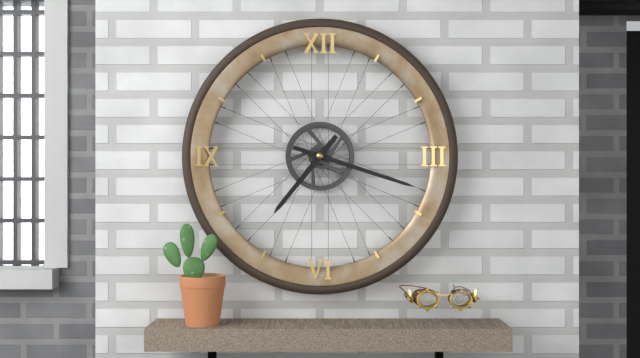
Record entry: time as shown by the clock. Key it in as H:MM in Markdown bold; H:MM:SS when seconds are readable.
**7:18**
